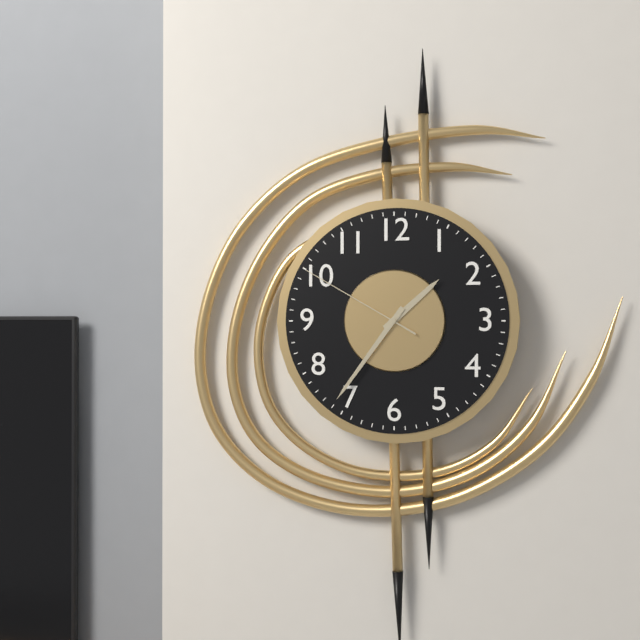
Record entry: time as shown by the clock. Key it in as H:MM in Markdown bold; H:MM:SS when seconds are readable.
**1:36:50**
